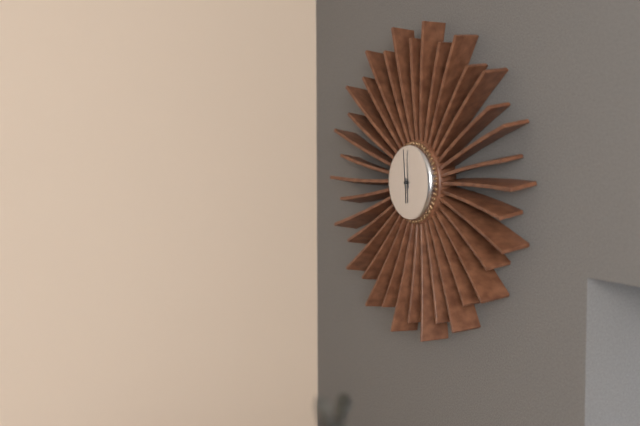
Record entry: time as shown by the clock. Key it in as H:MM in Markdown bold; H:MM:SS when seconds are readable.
**5:59**
